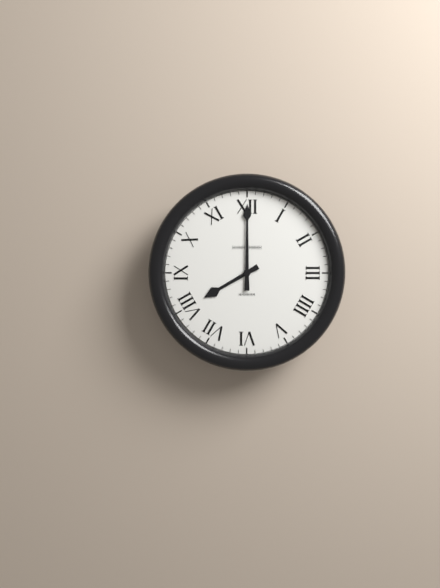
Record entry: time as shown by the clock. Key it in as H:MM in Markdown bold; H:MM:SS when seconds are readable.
**8:00**
